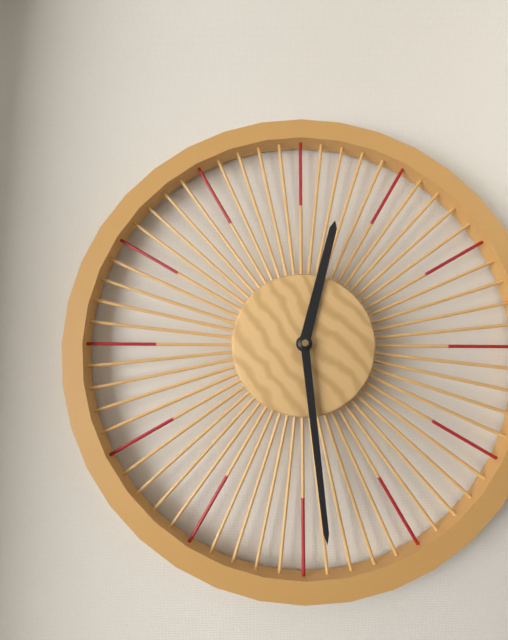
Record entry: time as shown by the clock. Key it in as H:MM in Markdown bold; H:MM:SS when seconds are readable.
**12:29**
